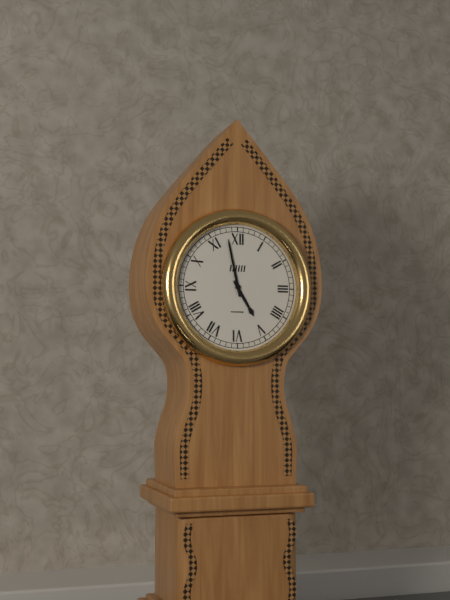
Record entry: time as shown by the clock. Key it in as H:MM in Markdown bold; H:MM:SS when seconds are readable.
**4:58**
